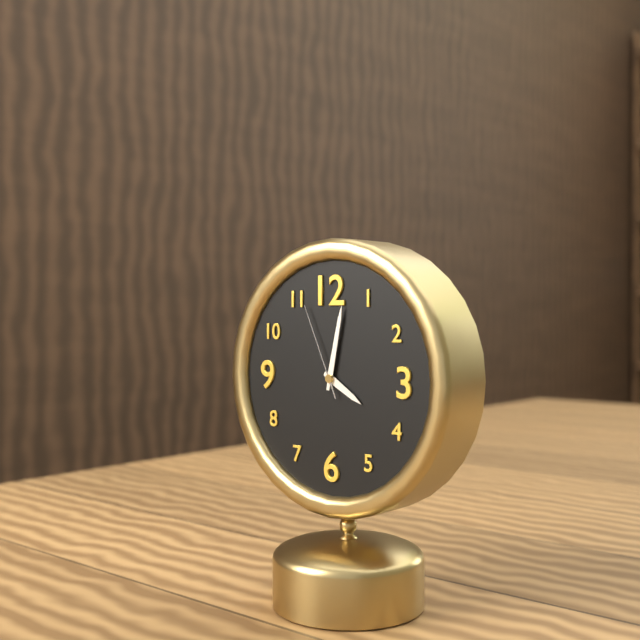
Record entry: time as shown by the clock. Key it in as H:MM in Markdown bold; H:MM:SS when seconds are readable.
**4:02:56**
